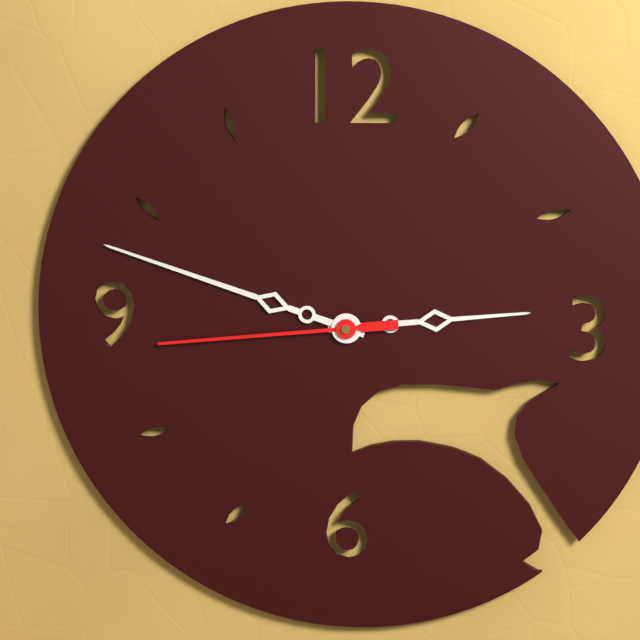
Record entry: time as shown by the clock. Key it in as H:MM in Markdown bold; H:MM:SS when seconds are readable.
**2:48:44**
